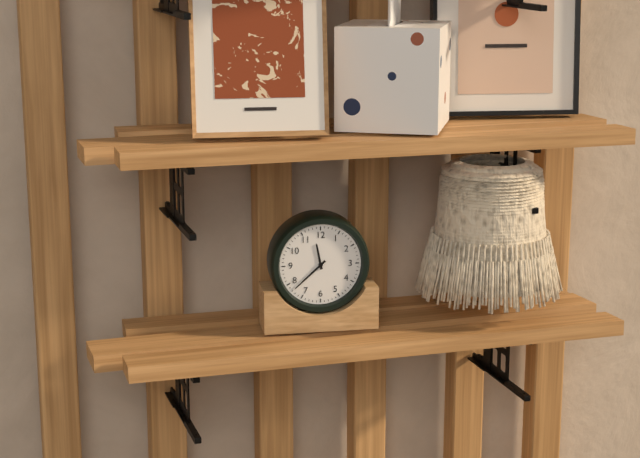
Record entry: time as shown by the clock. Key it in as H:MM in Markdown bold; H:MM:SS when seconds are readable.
**11:38**
